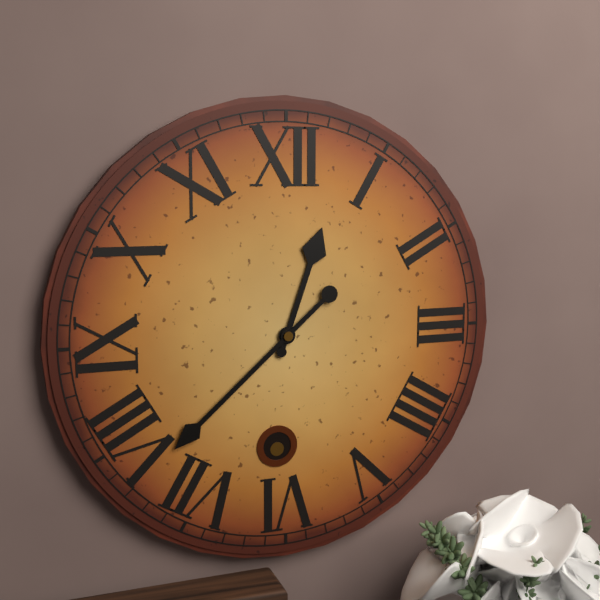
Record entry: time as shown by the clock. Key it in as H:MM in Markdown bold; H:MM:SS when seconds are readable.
**12:38**
